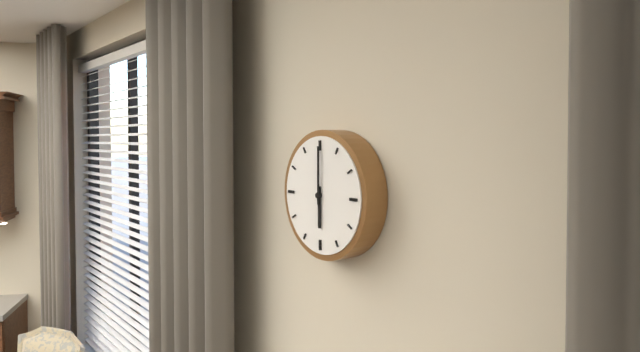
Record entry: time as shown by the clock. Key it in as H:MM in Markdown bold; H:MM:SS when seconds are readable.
**6:00**
